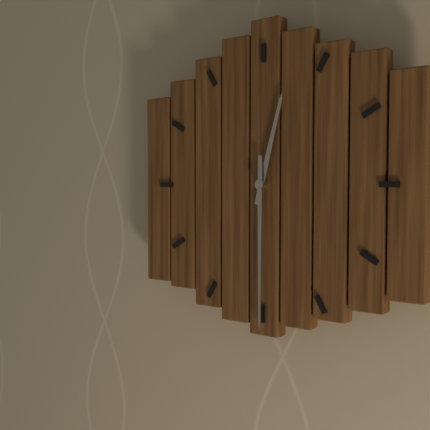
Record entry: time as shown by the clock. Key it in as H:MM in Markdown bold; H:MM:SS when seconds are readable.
**12:30**
